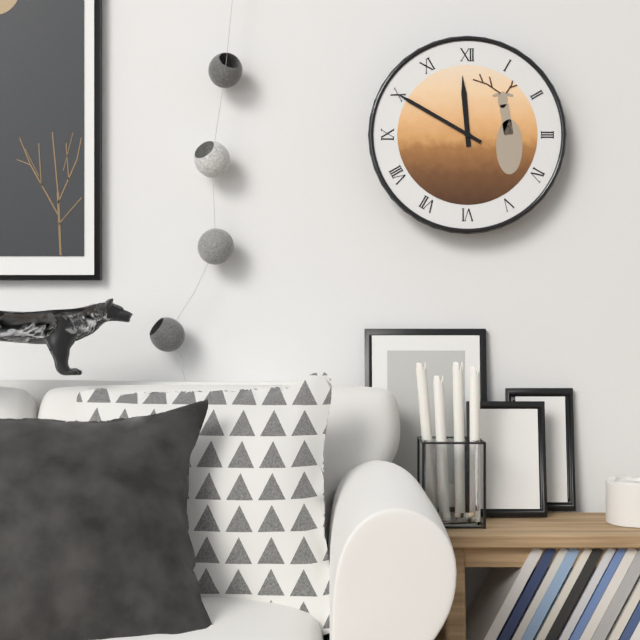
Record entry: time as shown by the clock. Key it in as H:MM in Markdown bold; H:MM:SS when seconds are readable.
**11:50**
